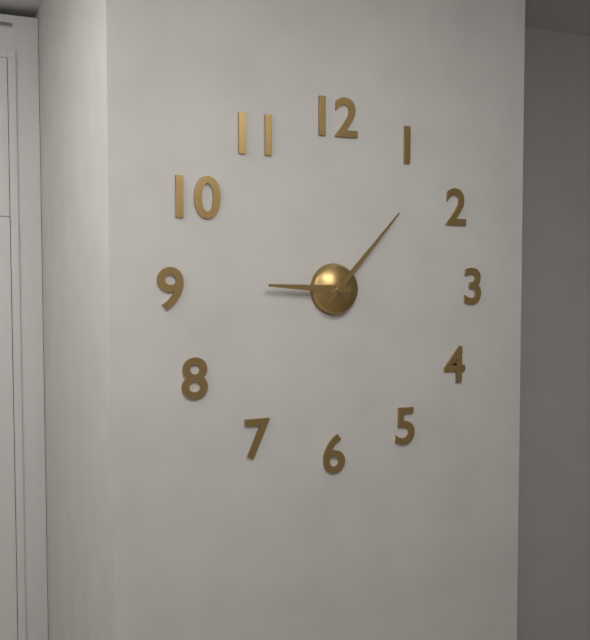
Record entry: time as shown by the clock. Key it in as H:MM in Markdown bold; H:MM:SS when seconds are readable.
**9:07**
